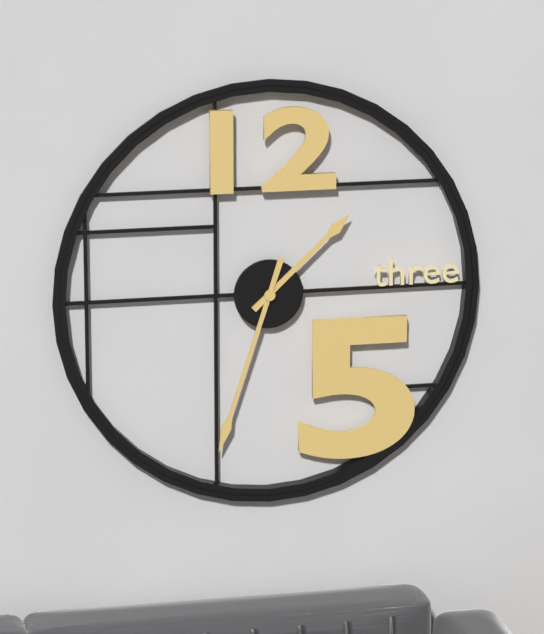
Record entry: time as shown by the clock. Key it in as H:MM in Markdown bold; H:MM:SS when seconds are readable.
**1:33**
